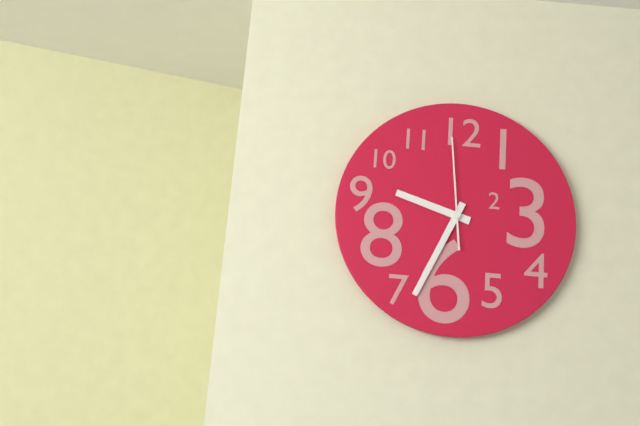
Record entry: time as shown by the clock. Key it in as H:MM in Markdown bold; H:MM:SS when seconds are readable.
**9:34:59**
